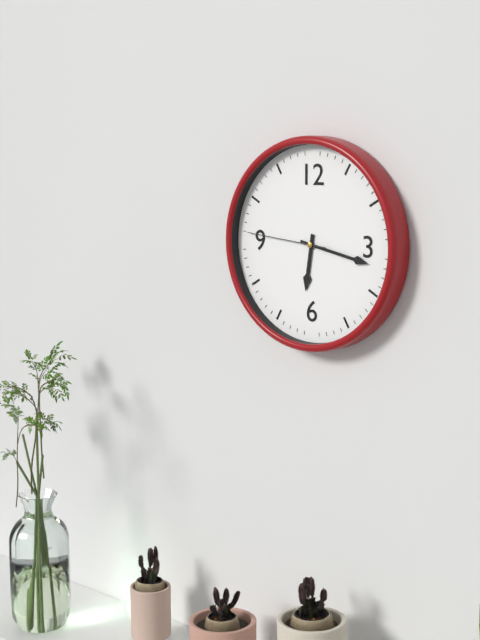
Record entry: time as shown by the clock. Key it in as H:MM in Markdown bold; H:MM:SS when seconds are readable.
**6:17:46**
